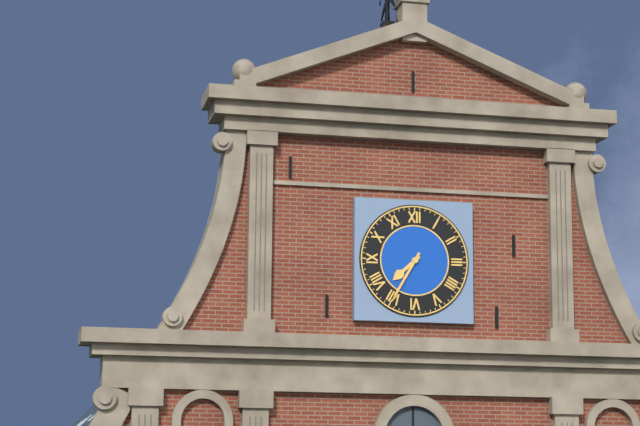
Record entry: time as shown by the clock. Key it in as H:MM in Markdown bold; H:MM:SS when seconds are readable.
**7:35**
